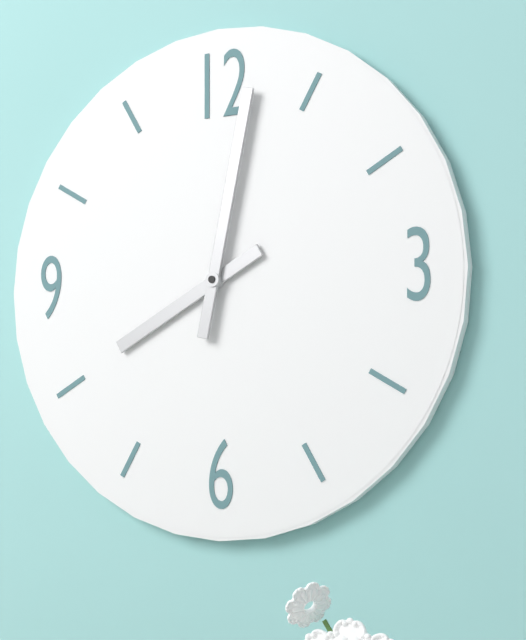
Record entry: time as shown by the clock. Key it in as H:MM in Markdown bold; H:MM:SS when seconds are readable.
**8:02**
